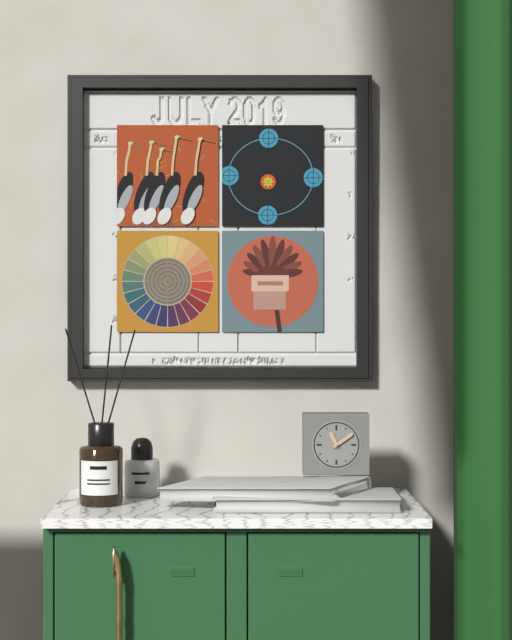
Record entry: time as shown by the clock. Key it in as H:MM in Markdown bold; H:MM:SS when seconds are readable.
**11:09**
